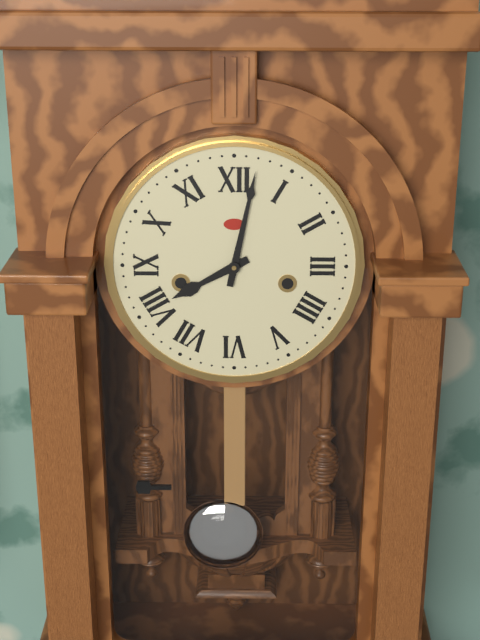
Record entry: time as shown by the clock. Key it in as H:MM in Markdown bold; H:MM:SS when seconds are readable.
**8:02**
